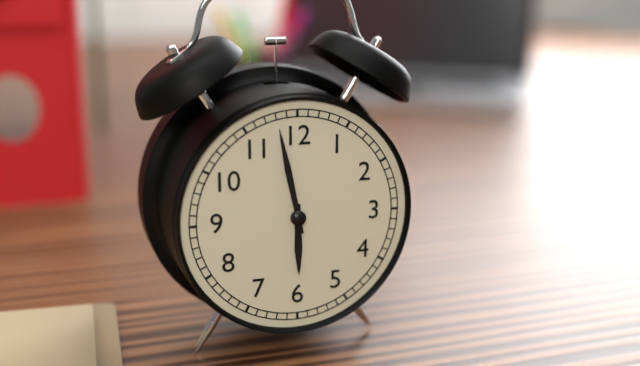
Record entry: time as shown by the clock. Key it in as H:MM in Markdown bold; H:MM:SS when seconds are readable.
**5:58**
